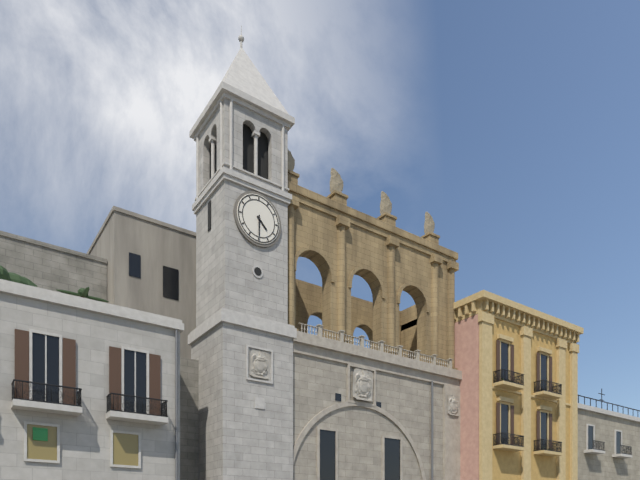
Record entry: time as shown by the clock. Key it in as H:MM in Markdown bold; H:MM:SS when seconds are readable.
**4:30**
